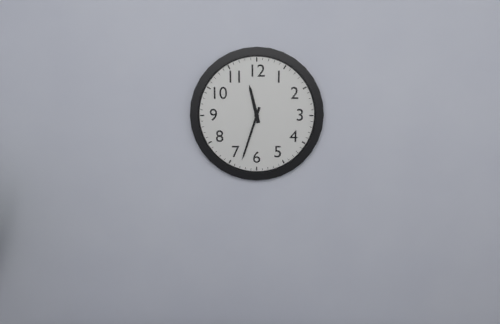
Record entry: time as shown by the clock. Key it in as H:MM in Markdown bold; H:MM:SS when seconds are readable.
**11:33**
